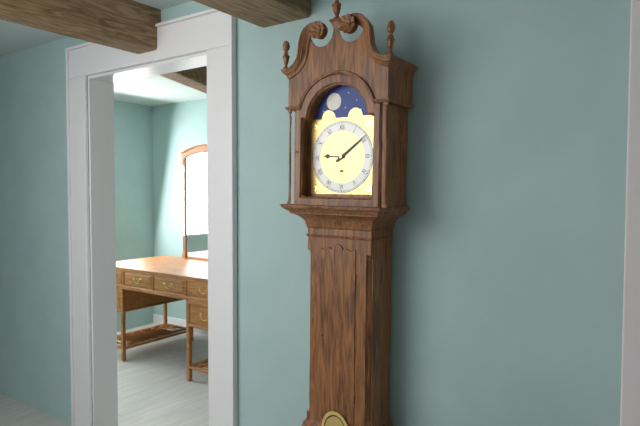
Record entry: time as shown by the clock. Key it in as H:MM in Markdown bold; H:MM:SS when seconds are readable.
**9:09**
